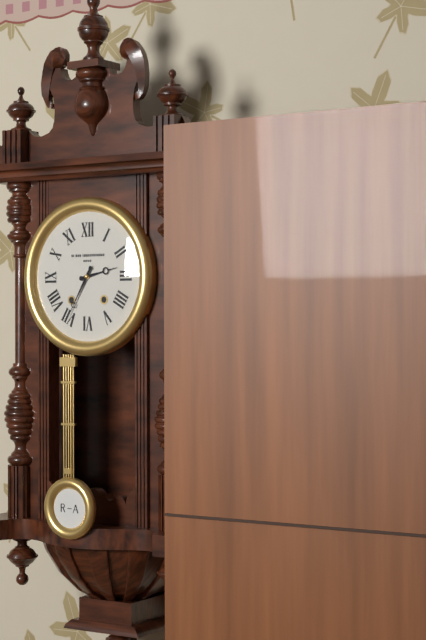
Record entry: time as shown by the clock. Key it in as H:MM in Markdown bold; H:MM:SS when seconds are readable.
**2:35**
